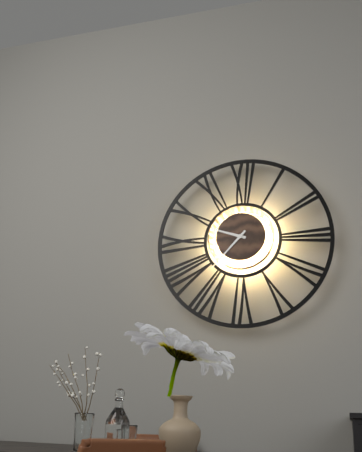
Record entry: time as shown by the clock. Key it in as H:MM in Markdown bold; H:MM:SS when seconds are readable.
**9:37**
